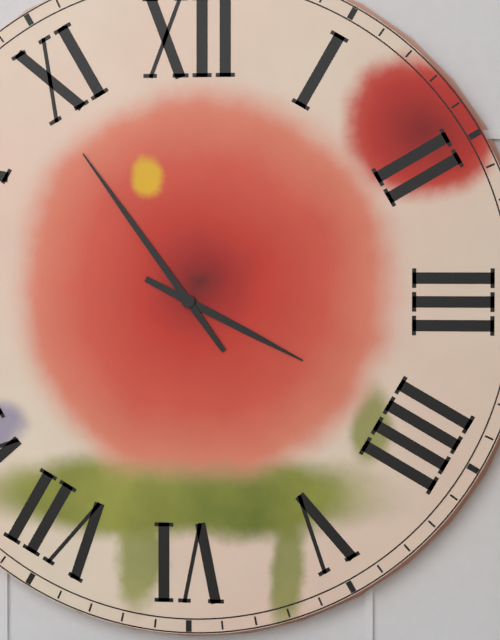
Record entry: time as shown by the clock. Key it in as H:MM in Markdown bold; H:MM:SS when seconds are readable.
**3:54**
